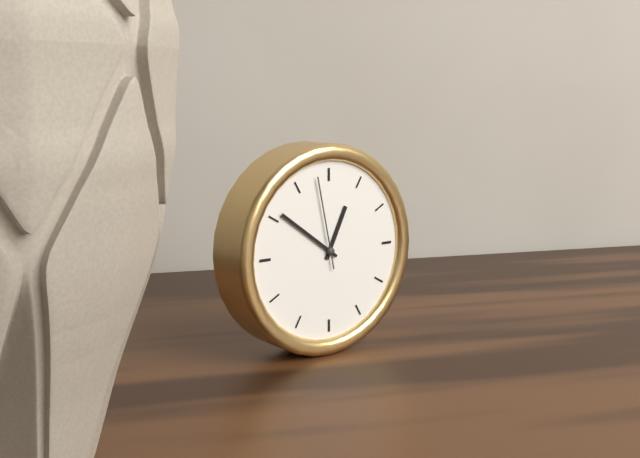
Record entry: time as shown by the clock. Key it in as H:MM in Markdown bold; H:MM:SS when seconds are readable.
**12:51:58**
